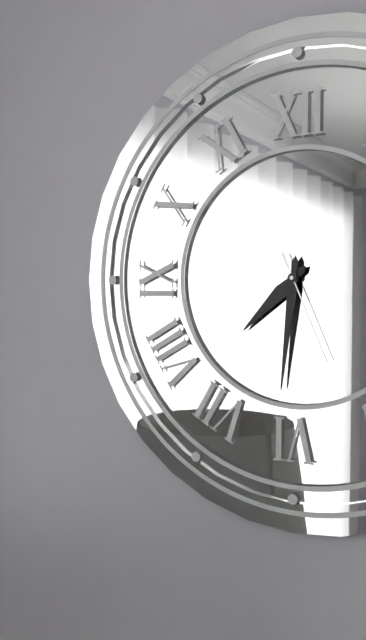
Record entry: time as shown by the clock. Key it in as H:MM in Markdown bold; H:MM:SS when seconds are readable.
**7:31:26**
